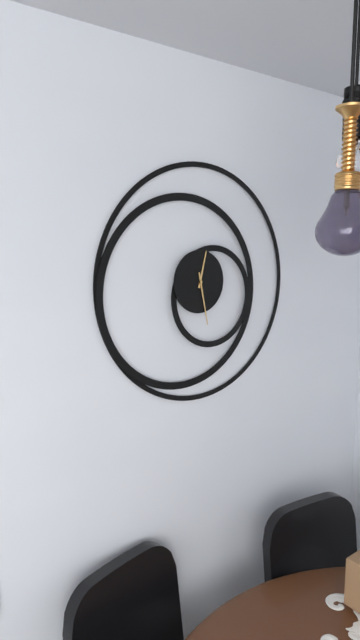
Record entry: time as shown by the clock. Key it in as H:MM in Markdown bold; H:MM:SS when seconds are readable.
**12:28**
